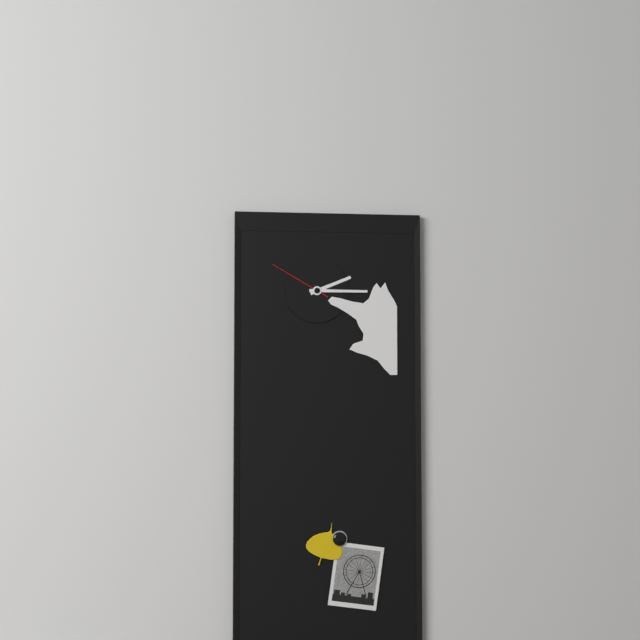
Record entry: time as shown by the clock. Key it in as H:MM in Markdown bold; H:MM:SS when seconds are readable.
**2:15:50**
